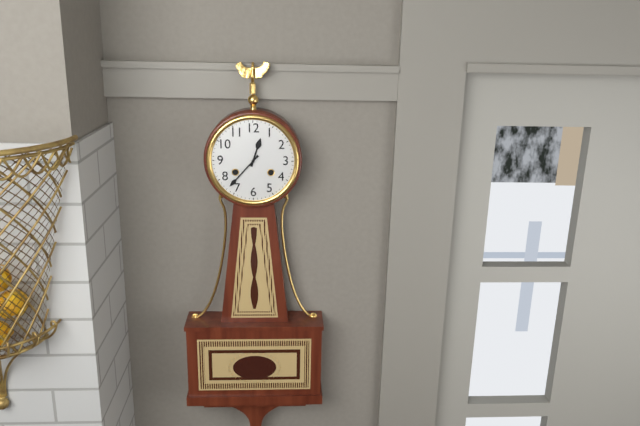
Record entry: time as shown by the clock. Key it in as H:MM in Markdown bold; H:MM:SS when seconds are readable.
**12:37**
